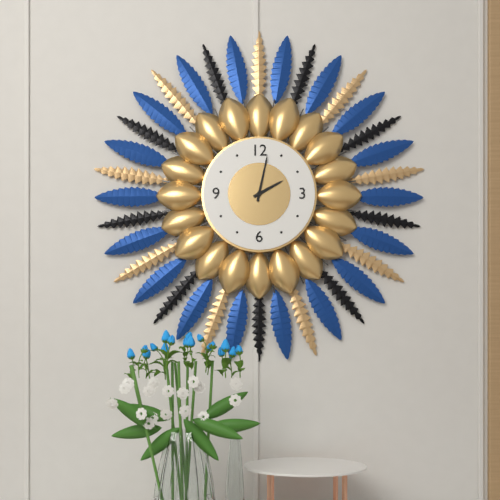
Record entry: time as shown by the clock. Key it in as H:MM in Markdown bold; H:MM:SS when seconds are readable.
**2:02**
